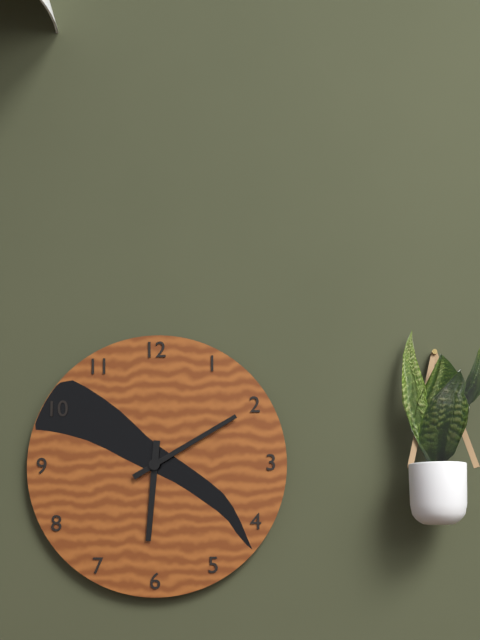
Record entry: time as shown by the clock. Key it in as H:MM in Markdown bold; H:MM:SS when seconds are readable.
**6:10**
